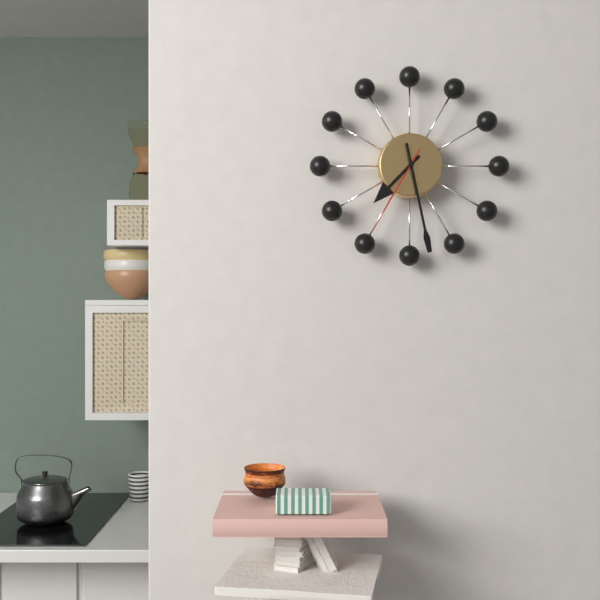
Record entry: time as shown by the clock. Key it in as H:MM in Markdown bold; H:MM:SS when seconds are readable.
**7:28:35**
